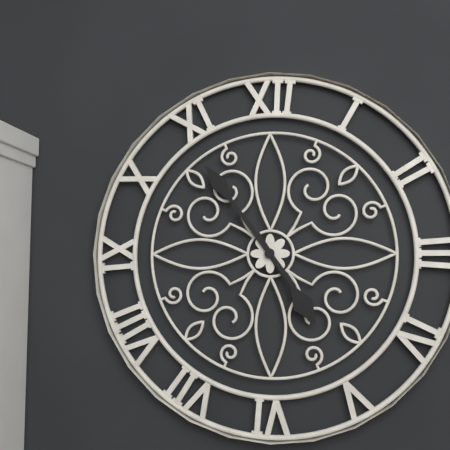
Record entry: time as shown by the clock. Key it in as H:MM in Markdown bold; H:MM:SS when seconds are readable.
**4:54**
